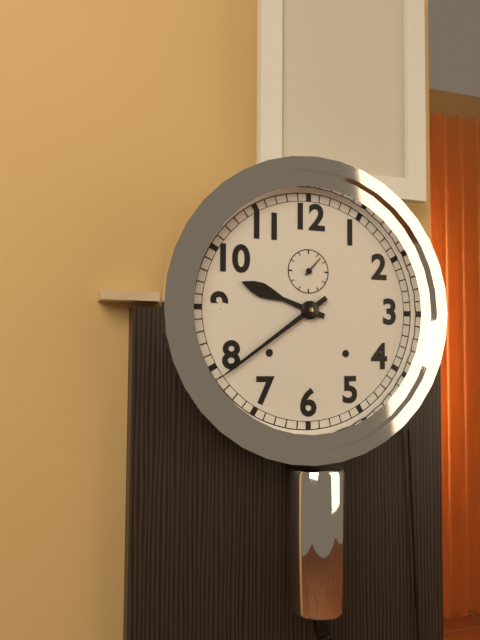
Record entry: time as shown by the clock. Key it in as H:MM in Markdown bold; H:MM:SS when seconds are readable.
**9:39**
